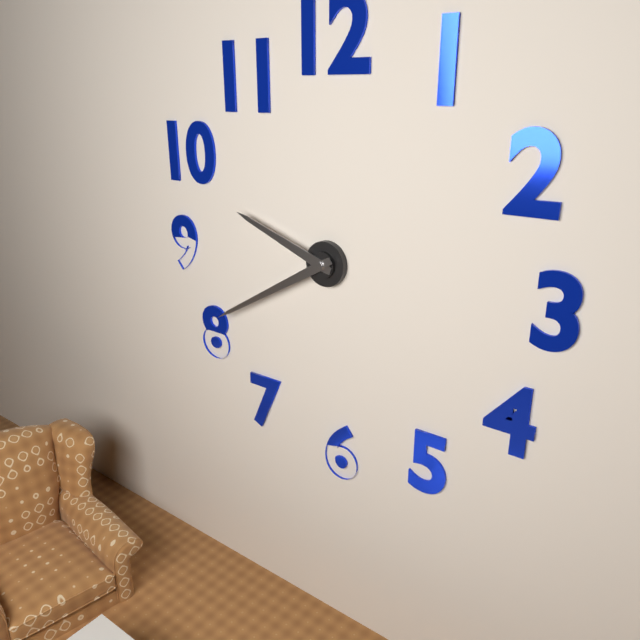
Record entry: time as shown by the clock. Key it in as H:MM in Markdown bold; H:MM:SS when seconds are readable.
**9:40**
